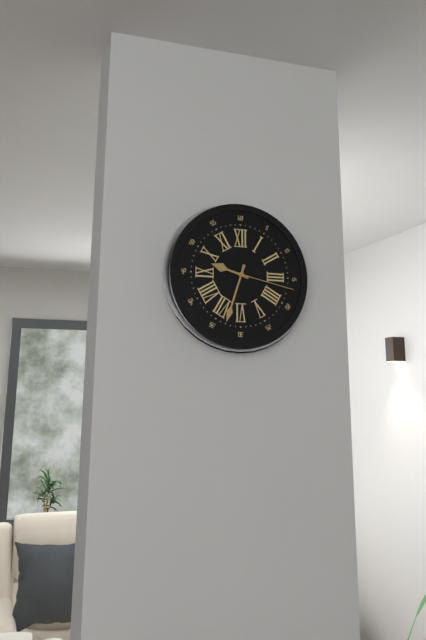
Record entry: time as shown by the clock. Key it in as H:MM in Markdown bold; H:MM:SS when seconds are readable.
**9:33:17**
